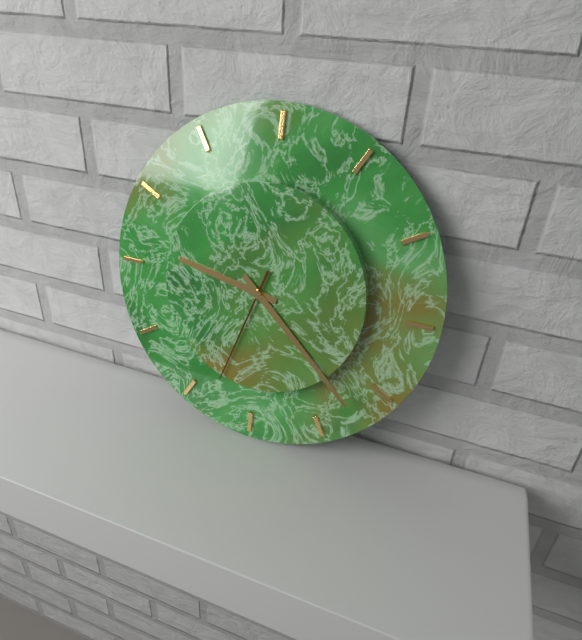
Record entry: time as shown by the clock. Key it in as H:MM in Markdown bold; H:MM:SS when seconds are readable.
**9:22:33**
